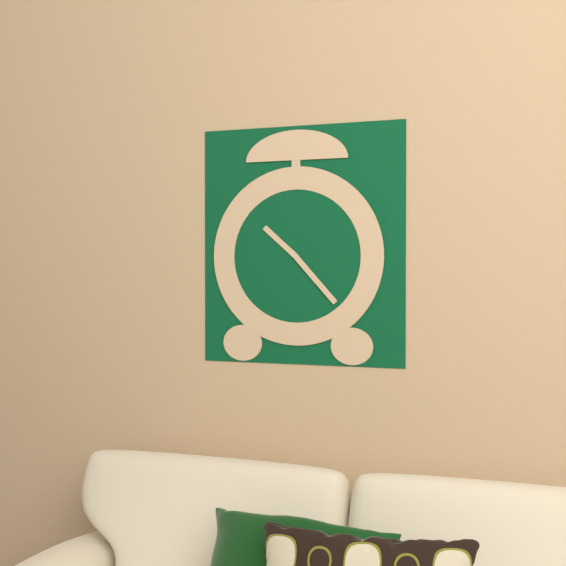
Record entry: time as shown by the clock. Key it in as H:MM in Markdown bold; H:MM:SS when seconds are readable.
**10:23**
